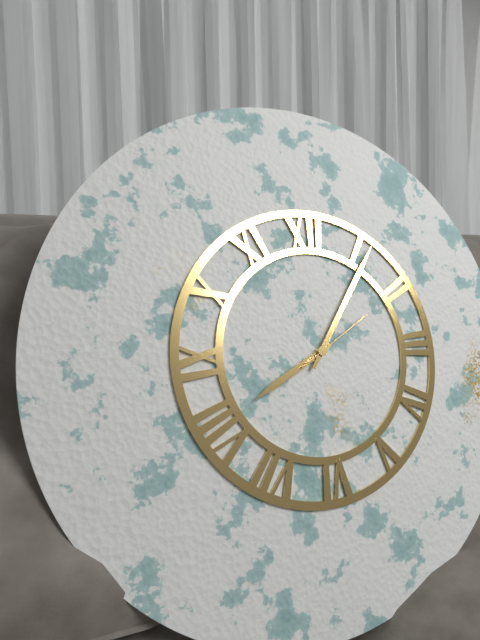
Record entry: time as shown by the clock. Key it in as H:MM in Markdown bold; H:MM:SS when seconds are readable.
**8:06:10**
